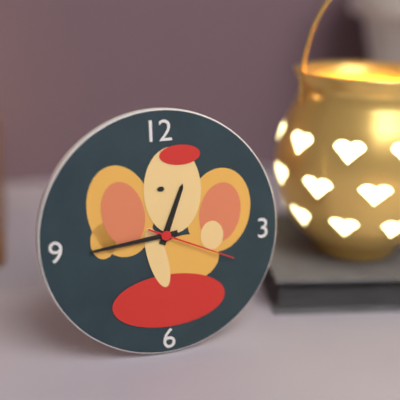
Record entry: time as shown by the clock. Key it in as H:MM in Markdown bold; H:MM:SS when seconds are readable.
**12:44:19**
